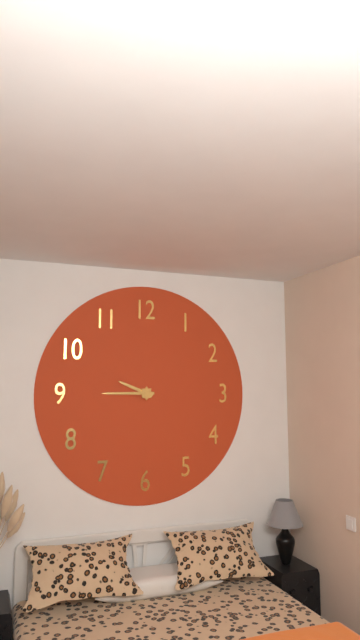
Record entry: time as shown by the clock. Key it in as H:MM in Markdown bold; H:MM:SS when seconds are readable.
**9:45**
